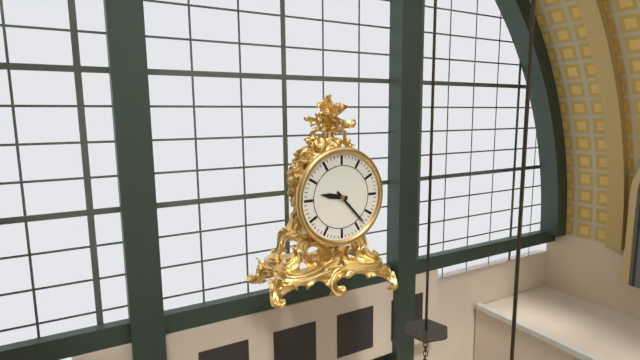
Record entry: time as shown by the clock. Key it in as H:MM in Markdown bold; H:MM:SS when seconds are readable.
**9:23**
